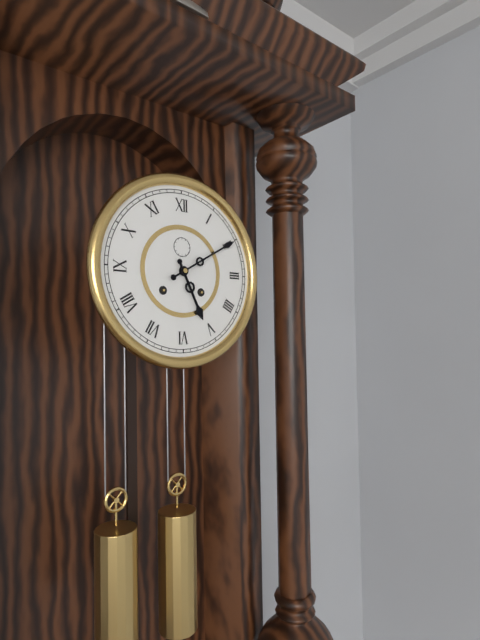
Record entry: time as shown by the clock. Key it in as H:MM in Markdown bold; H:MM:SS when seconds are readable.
**5:10**
